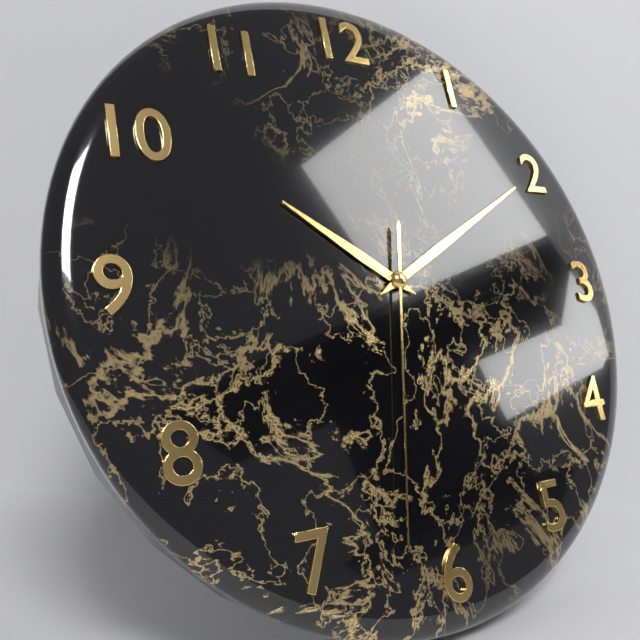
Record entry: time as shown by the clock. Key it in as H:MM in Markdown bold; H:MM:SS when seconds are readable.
**10:10:32**
